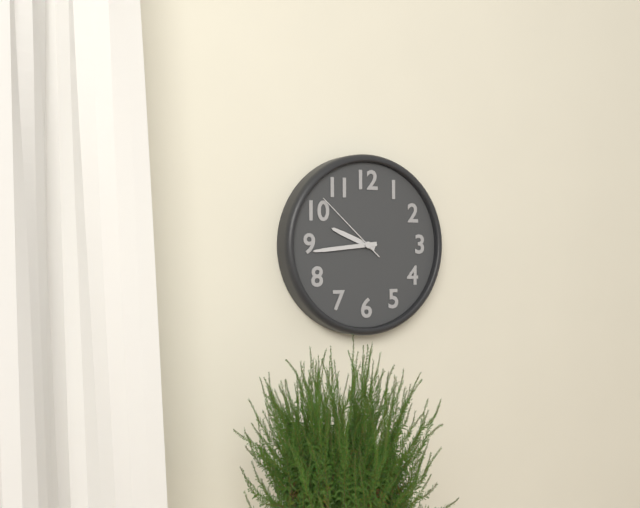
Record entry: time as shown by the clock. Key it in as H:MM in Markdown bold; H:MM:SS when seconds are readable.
**9:44:52**
